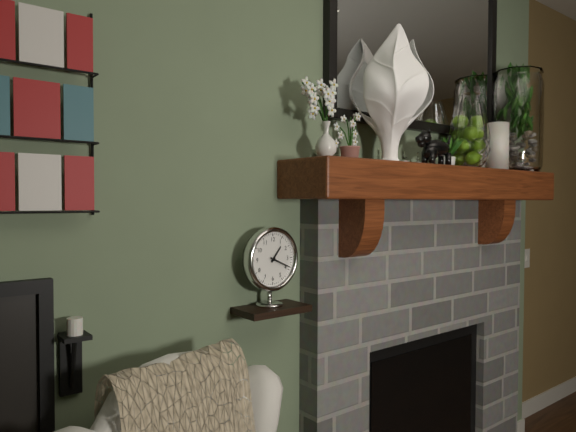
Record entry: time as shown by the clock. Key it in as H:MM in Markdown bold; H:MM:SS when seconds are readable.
**1:19**
